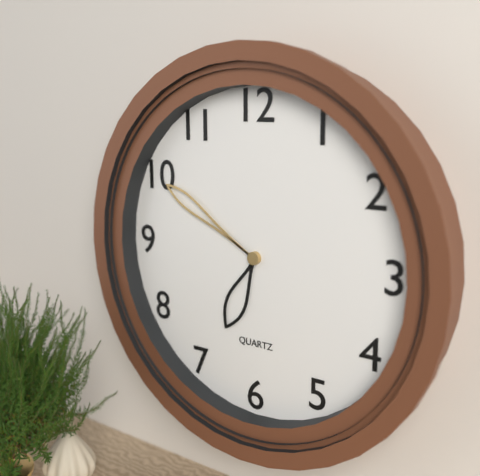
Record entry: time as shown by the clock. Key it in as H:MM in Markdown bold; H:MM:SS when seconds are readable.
**6:50**
